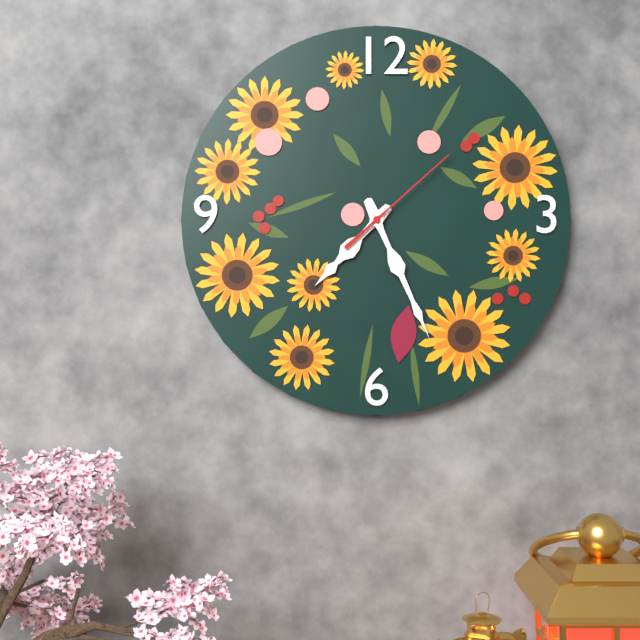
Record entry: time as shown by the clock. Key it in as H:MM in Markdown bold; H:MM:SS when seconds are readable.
**7:26:08**
